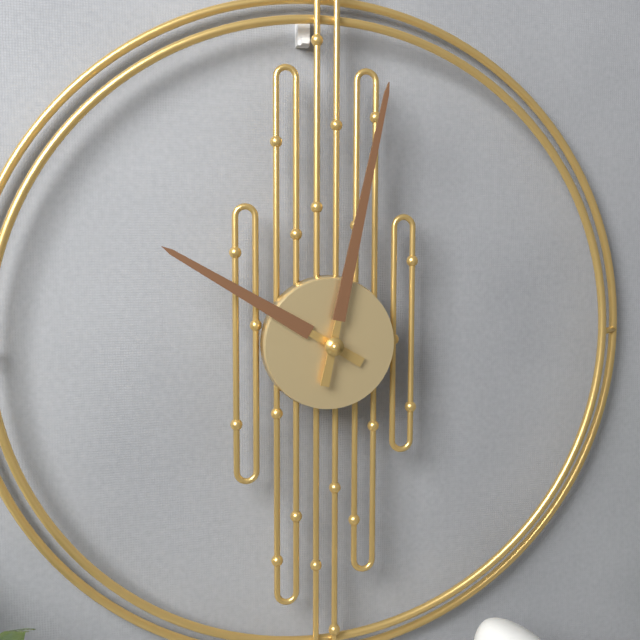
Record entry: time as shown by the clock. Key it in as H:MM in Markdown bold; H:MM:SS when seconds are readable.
**10:02**
